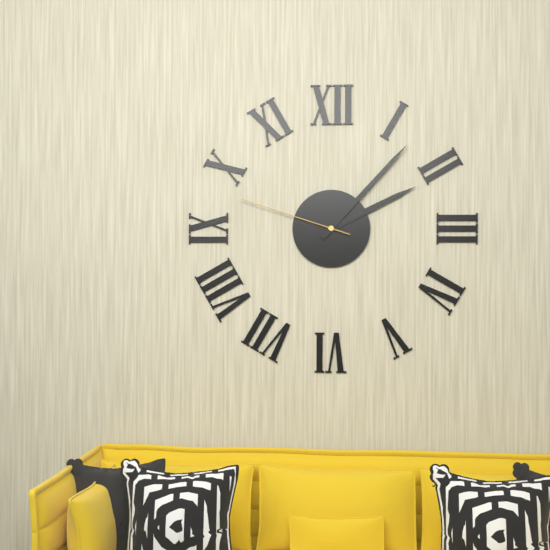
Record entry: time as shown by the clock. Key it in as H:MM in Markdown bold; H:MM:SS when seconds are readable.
**2:07:48**
